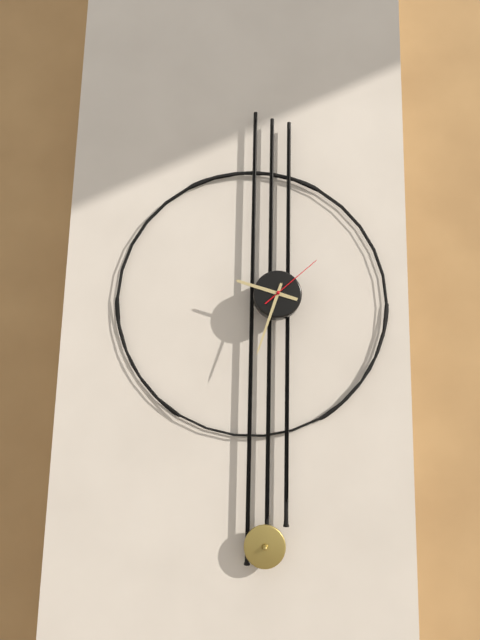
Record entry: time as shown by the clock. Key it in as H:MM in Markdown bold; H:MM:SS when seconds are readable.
**9:33:08**
